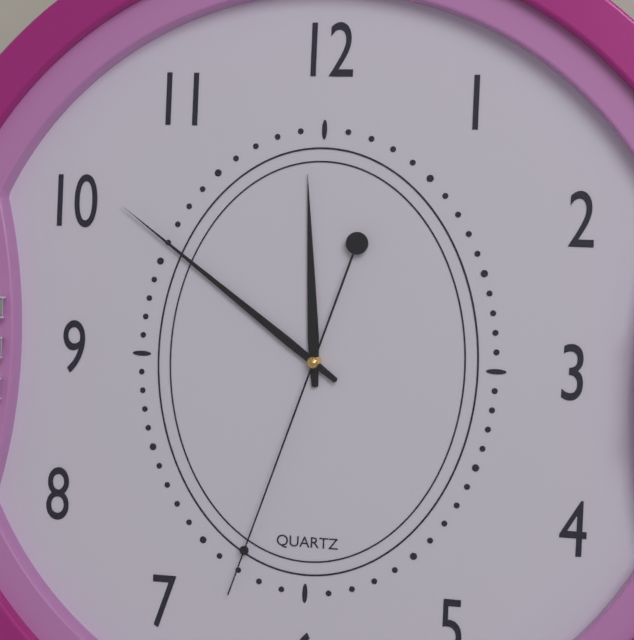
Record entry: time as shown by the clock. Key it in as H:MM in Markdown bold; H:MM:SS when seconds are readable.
**11:51:33**
